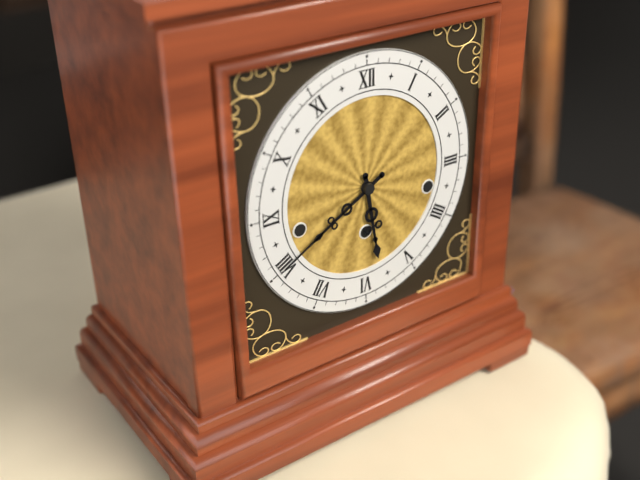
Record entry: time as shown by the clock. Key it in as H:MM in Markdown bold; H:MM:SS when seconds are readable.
**5:40**
